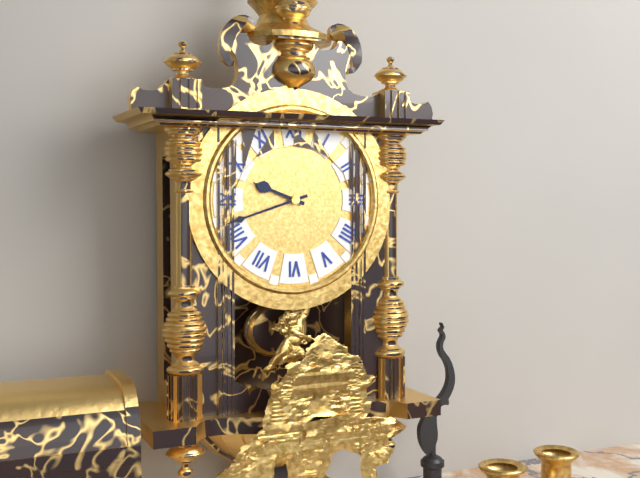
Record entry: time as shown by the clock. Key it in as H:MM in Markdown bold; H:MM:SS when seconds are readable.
**9:42**
